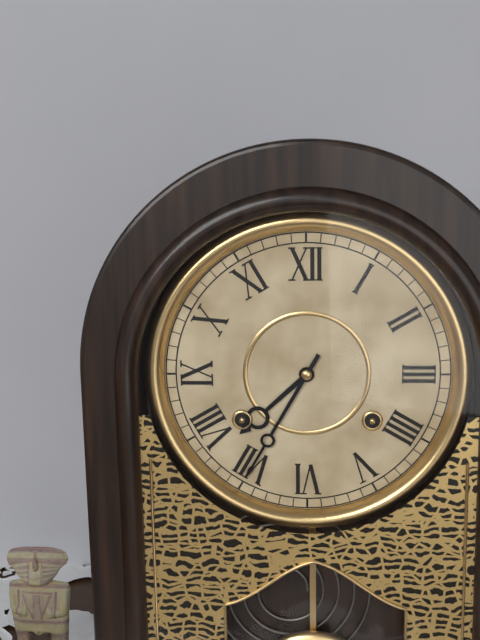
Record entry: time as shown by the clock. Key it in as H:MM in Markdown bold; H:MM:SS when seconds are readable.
**7:35**
